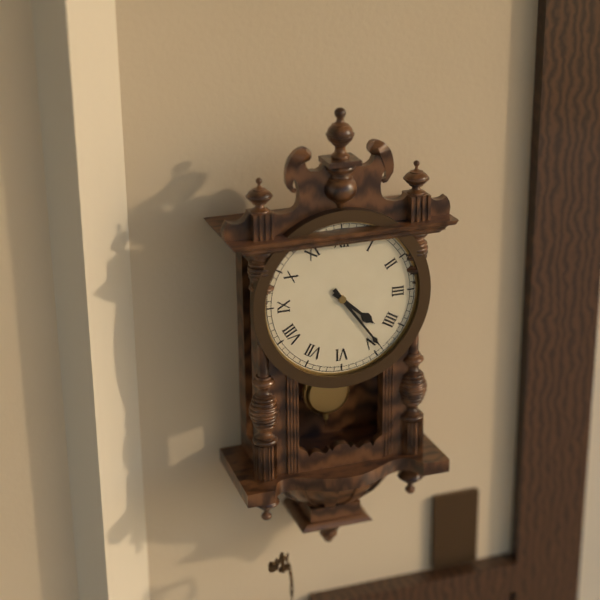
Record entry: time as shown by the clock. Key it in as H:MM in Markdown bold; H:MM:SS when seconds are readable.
**4:24**
